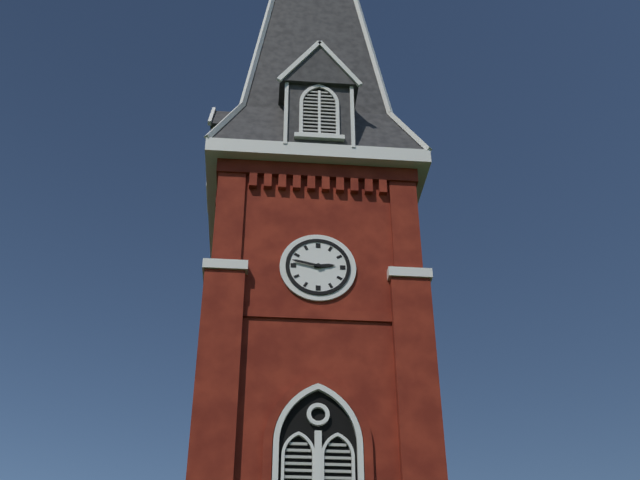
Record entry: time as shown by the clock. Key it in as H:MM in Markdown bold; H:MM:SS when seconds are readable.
**2:47**
